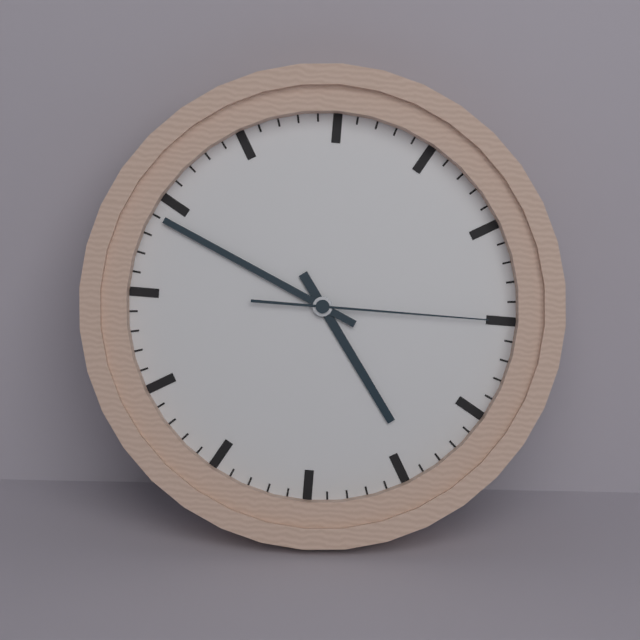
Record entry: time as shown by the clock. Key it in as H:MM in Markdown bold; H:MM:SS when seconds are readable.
**4:49:15**
